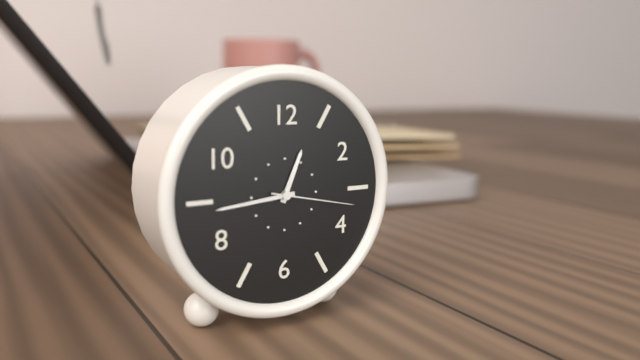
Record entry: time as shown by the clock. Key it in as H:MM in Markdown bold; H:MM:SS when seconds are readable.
**12:44:17**
